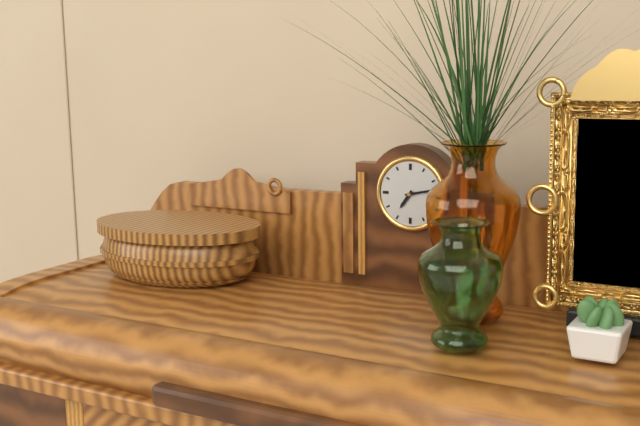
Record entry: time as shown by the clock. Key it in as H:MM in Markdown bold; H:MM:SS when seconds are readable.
**7:13**
